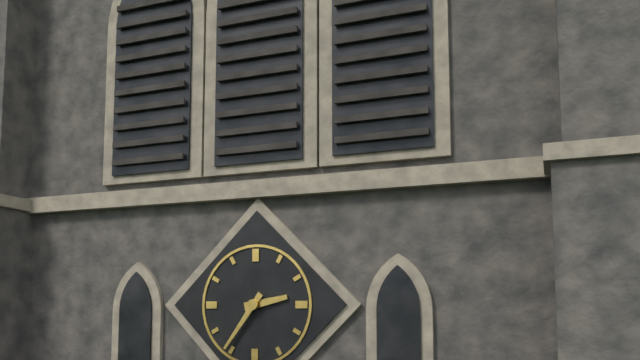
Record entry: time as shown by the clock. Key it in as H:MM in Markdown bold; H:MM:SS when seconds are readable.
**2:36**
